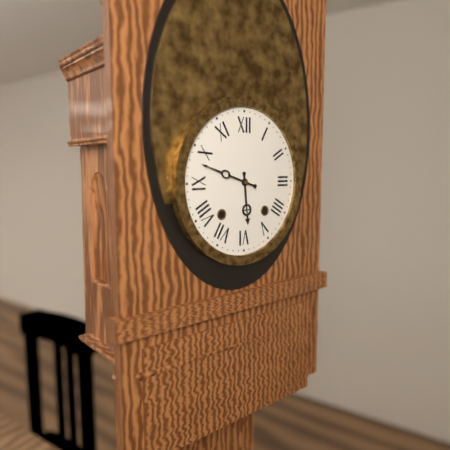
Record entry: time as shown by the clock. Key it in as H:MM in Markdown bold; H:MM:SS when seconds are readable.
**5:48**
